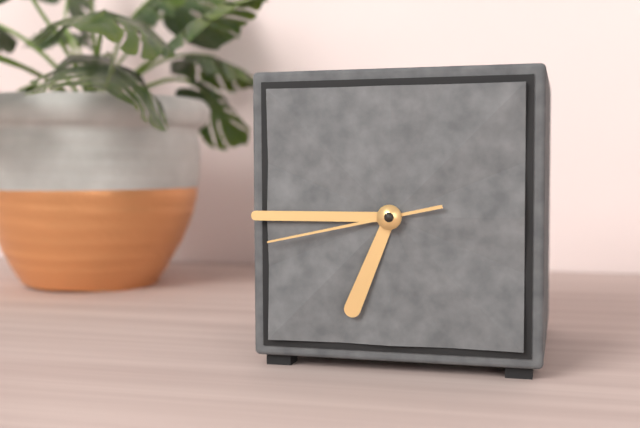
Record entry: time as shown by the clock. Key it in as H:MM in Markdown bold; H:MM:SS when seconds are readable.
**6:45:43**
